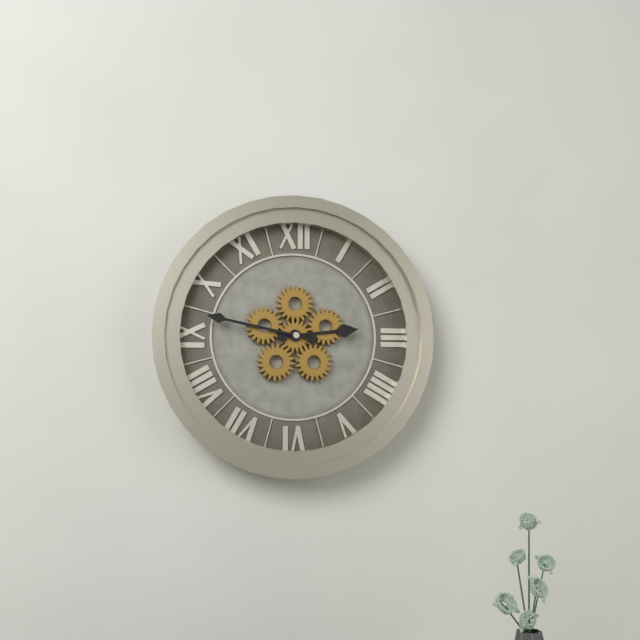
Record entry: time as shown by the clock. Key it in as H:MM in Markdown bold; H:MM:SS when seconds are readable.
**2:47**
